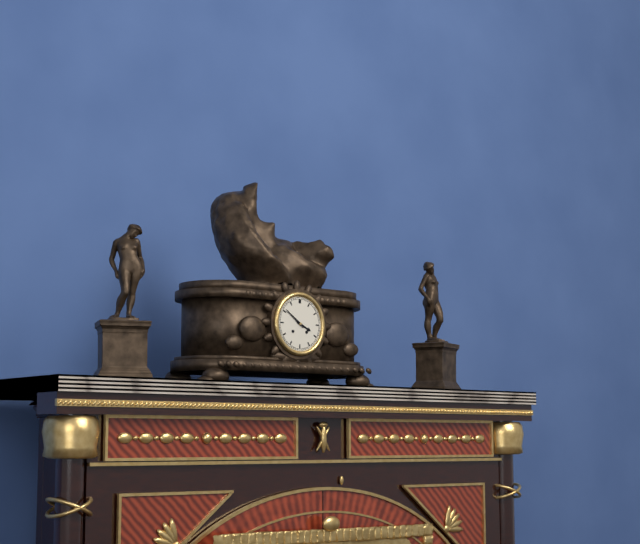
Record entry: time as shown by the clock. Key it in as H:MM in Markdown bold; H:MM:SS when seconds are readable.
**3:51**
